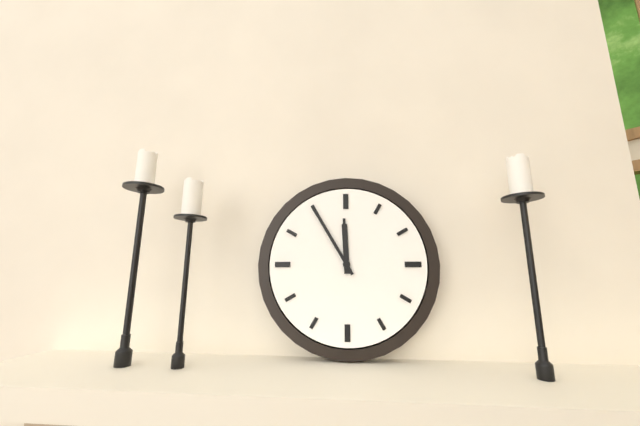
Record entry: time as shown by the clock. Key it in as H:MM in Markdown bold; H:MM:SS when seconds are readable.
**11:55**
